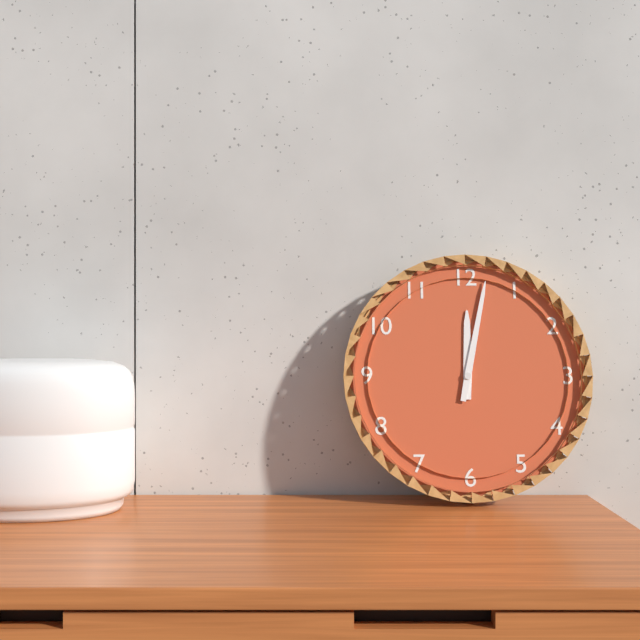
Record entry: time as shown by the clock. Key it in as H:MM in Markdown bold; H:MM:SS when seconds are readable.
**12:02**
